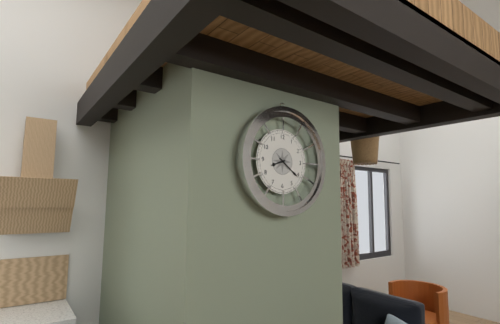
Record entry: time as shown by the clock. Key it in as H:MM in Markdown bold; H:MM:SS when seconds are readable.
**8:21**
